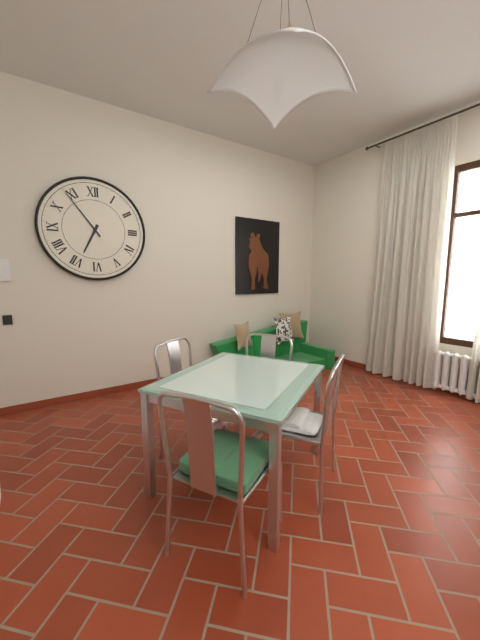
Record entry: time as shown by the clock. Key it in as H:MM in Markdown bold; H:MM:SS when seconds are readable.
**6:54**
